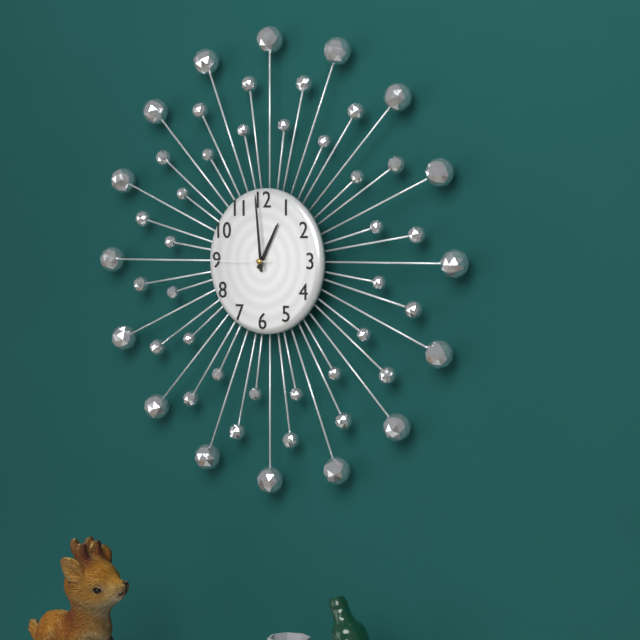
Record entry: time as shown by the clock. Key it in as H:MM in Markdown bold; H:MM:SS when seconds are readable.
**12:59:45**
